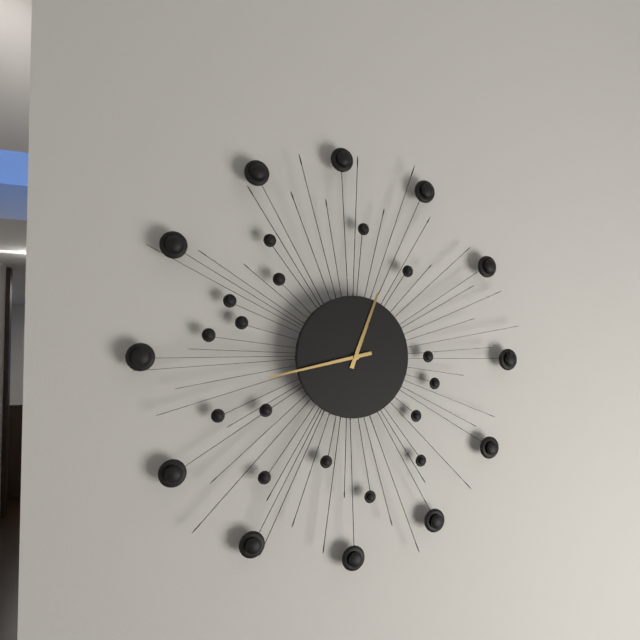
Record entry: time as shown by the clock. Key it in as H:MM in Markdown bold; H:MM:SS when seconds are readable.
**12:43**
